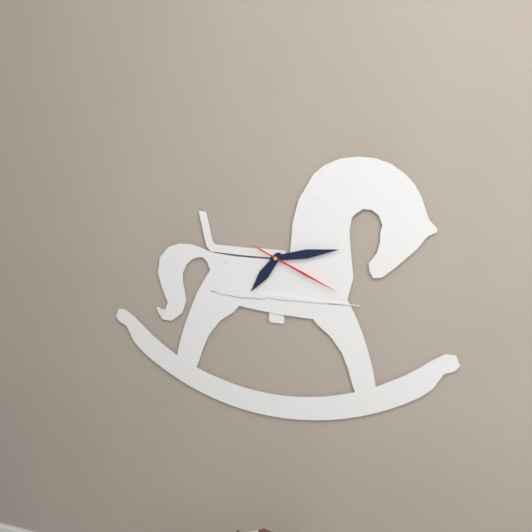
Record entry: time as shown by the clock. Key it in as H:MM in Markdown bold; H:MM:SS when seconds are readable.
**7:13:19**
